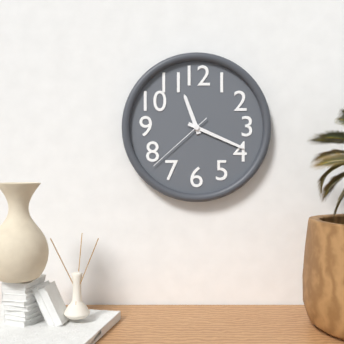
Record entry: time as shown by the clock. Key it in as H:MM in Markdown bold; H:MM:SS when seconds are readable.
**11:19:38**
